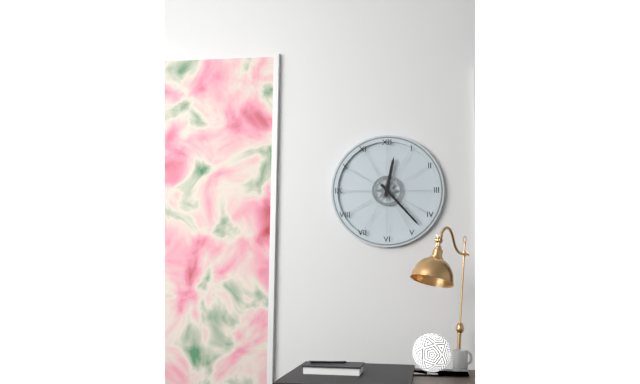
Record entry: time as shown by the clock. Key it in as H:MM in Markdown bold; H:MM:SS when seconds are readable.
**12:23**
